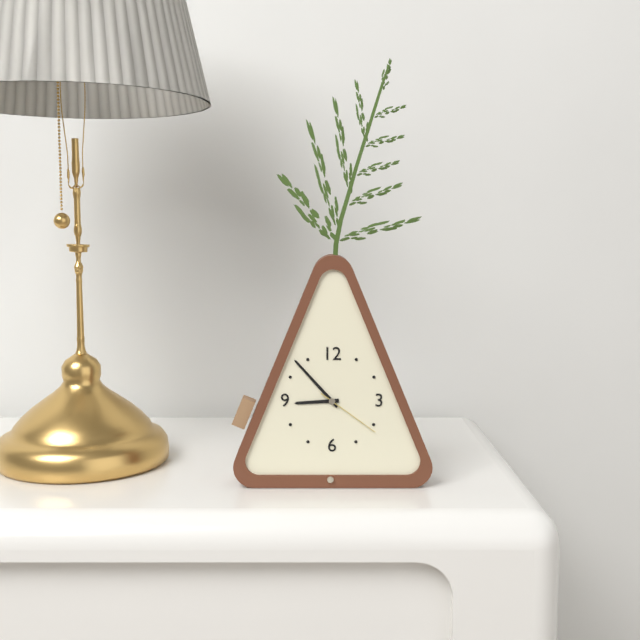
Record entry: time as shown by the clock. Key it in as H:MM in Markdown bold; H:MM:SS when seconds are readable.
**8:53:21**
